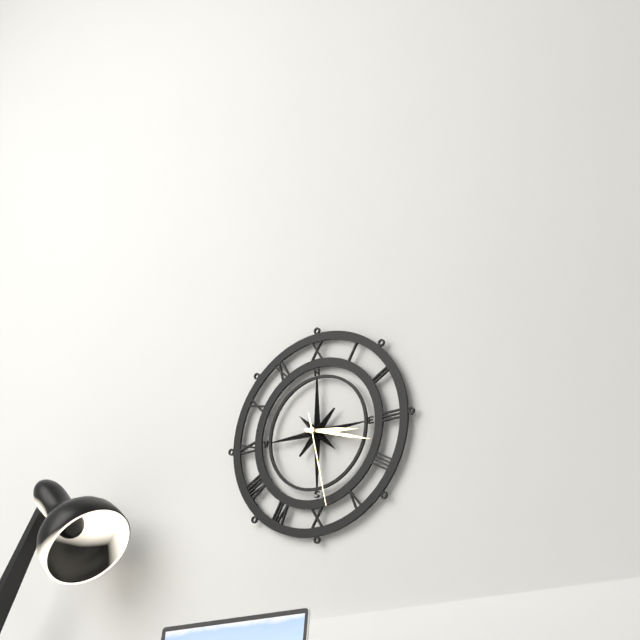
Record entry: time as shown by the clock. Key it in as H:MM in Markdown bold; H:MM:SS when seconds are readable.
**3:18:28**
